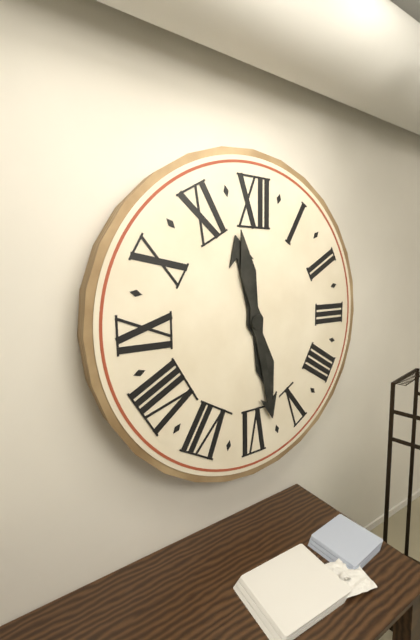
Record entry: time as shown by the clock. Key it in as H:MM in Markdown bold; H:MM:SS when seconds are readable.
**11:28**
